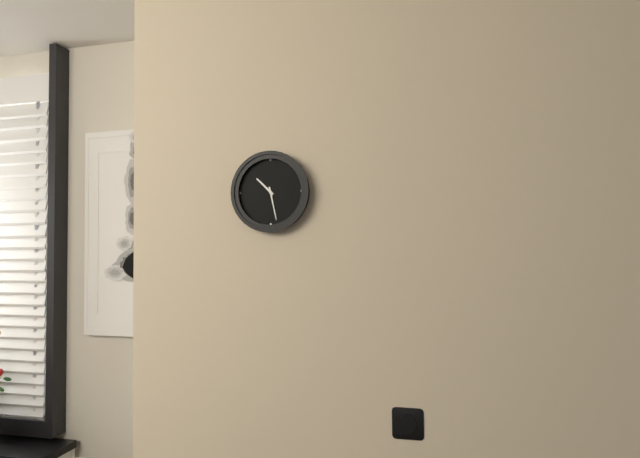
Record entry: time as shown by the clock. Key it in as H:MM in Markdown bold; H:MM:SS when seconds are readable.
**10:28**
